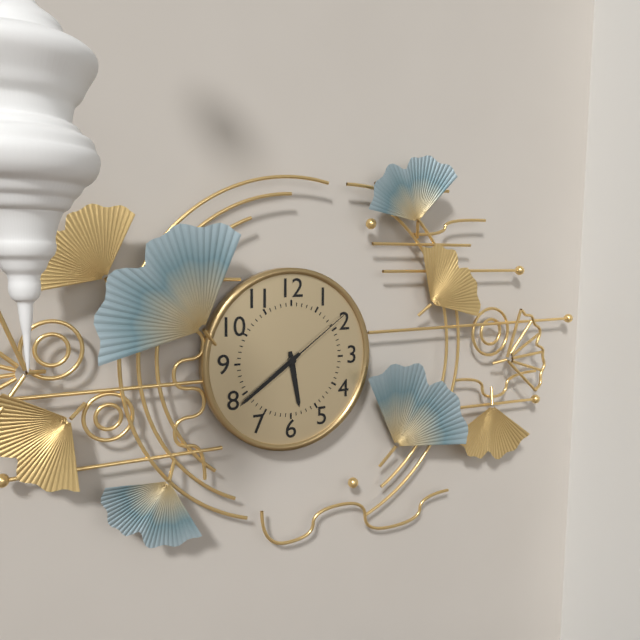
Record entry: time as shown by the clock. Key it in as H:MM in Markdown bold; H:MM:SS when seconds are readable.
**5:39:09**
